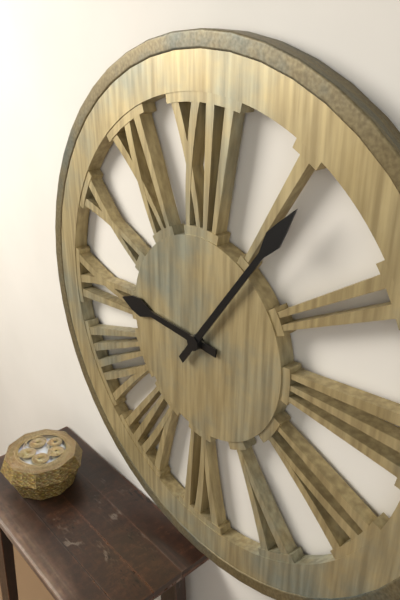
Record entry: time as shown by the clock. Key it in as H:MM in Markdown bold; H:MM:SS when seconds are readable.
**9:06**
